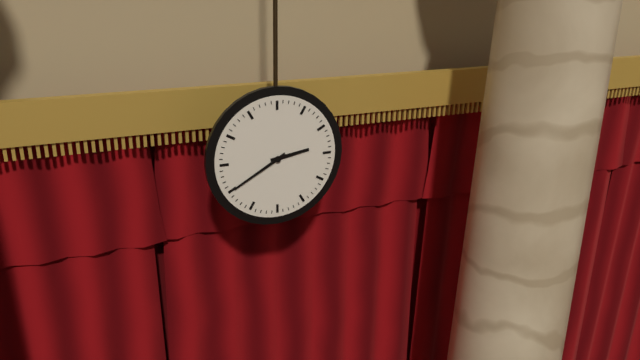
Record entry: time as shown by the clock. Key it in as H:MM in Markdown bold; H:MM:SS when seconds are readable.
**2:40**
